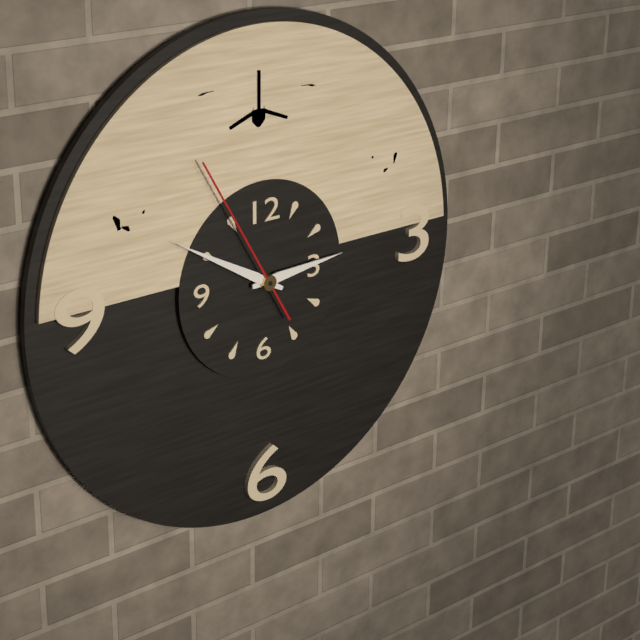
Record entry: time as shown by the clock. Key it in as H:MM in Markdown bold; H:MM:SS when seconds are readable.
**2:50:55**
